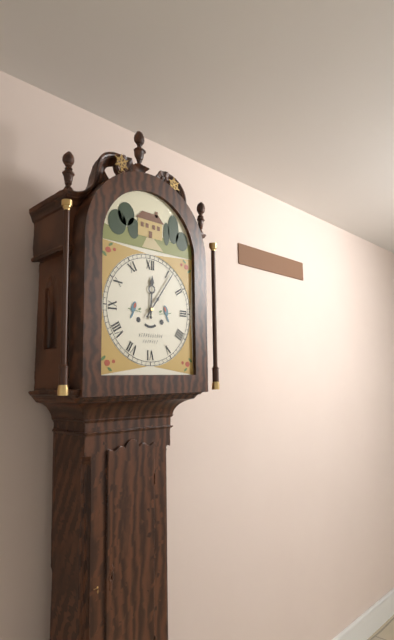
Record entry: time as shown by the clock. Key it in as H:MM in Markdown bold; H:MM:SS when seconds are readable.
**12:06**
